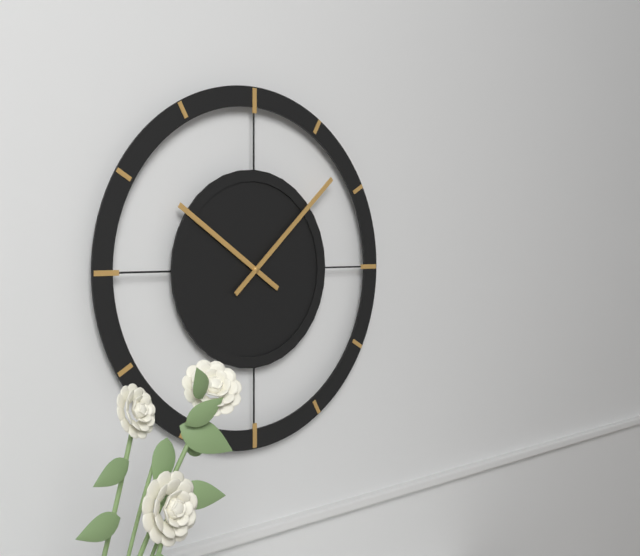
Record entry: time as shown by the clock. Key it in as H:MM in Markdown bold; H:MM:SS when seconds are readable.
**10:08**
